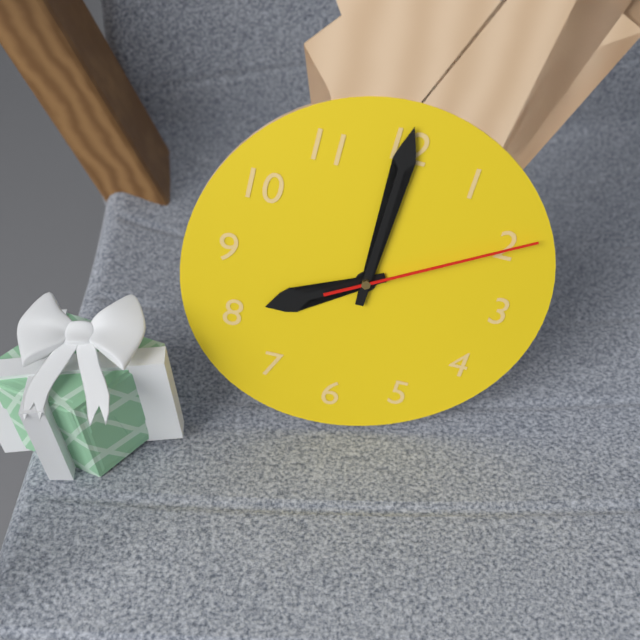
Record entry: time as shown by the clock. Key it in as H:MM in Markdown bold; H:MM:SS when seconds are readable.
**8:00:10**
